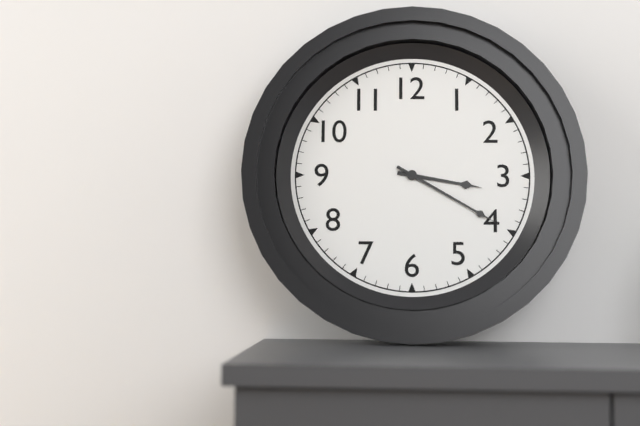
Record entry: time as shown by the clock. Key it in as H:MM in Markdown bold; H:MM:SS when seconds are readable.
**3:20**
